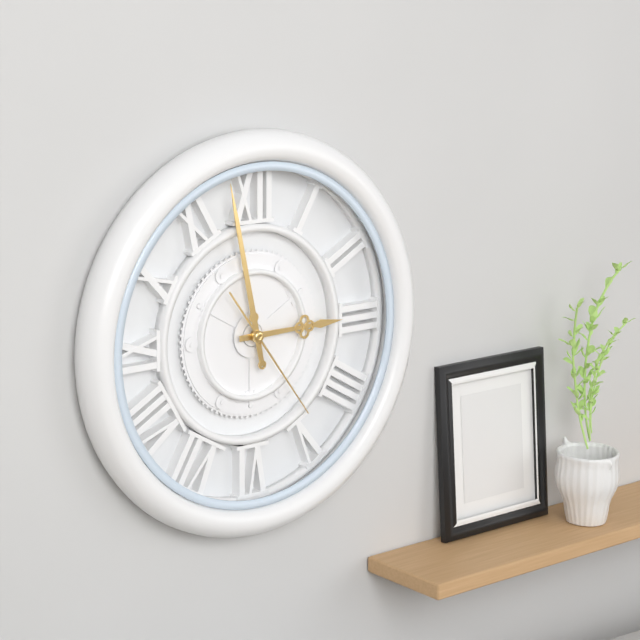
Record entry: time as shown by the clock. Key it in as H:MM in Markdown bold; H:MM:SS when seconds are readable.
**2:58:24**
